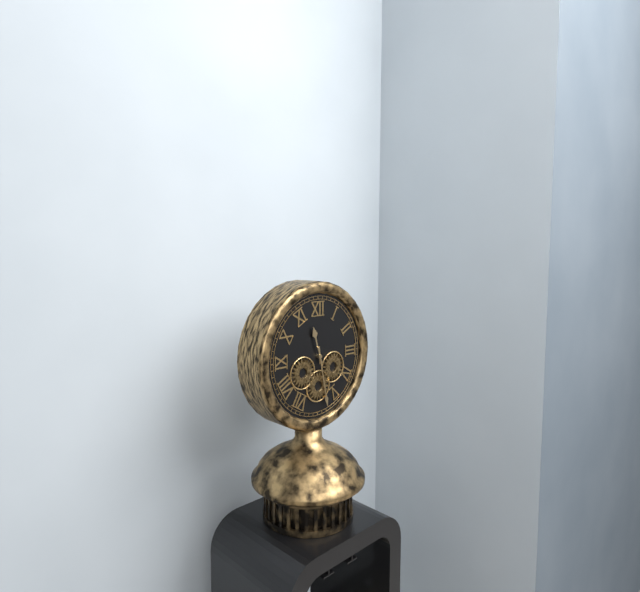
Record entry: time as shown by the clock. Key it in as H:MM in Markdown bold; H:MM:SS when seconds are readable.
**11:28**
